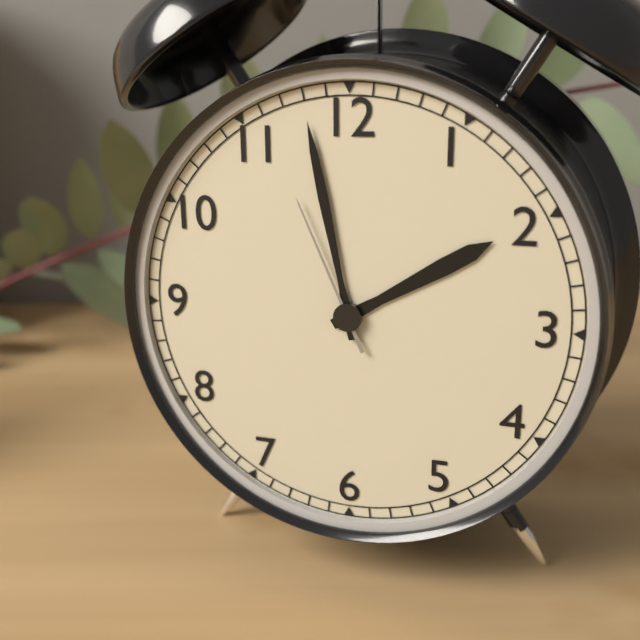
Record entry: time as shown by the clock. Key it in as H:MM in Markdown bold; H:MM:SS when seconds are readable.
**1:58:56**
